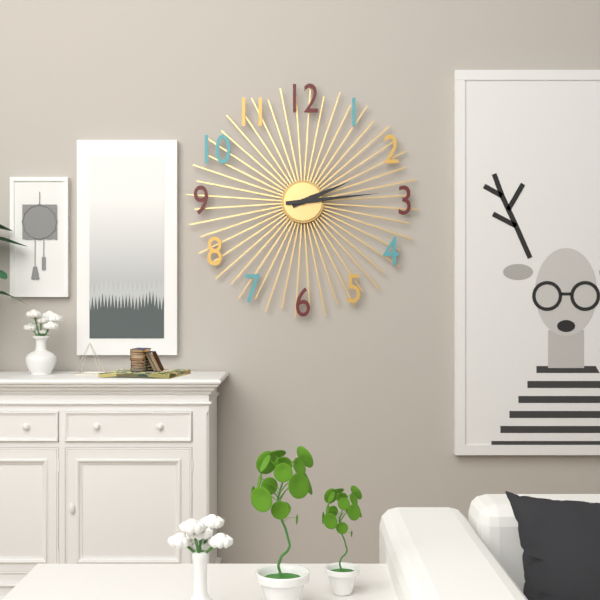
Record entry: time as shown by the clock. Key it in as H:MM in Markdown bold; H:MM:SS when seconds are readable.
**2:14**
